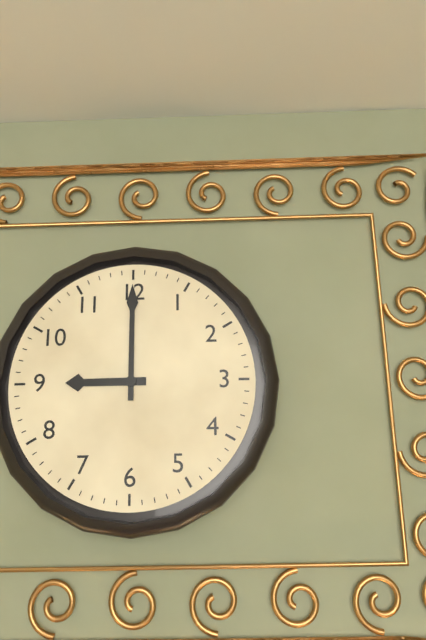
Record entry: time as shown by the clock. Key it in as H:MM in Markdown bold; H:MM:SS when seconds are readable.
**9:00**
